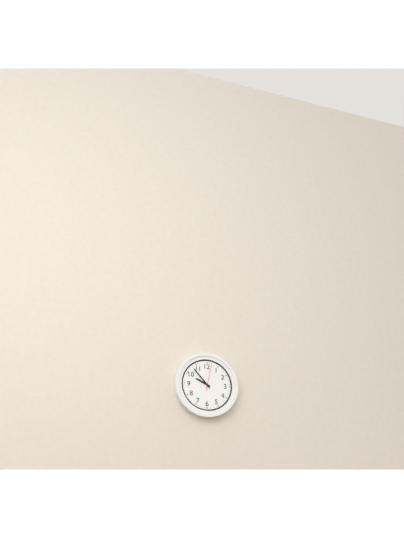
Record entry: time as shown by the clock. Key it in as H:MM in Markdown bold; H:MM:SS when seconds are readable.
**9:53**
